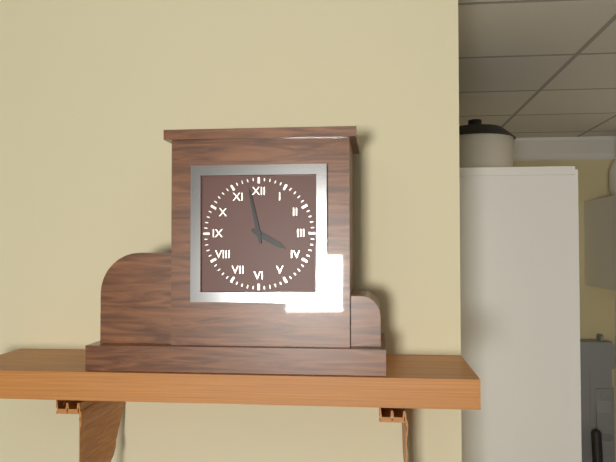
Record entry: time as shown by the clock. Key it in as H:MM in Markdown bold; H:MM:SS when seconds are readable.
**3:58**
